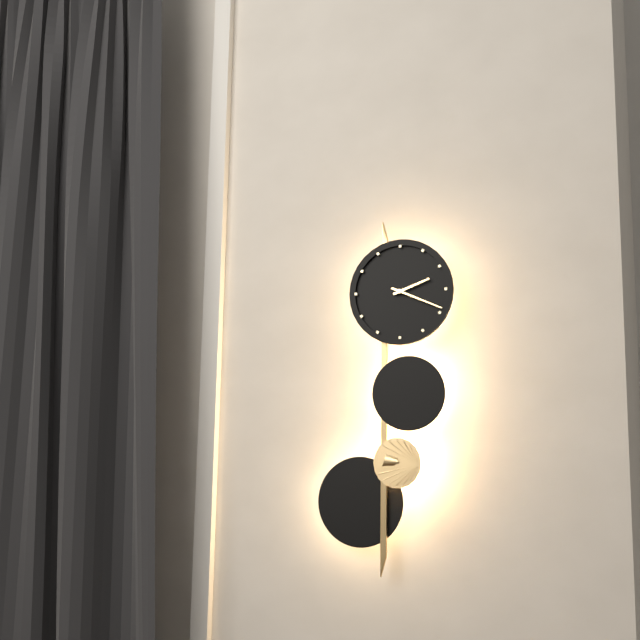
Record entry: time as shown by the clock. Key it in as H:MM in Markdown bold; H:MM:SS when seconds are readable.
**2:19**
